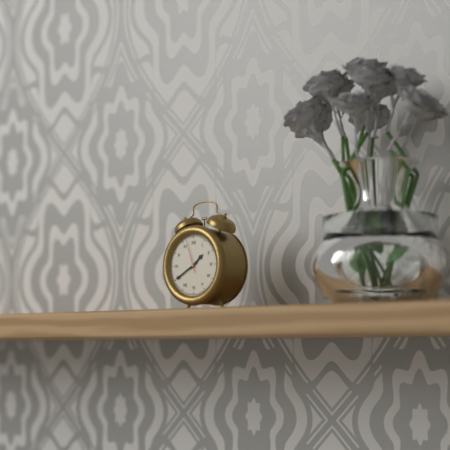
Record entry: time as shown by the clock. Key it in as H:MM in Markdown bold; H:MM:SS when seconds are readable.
**1:40**
